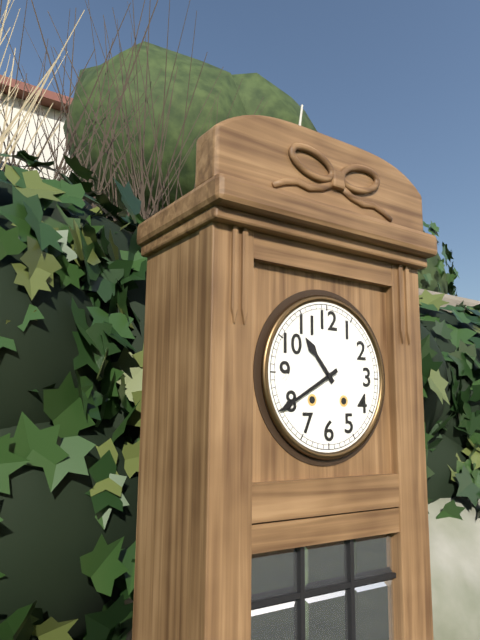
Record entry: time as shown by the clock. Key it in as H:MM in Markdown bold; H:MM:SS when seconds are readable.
**10:40**
